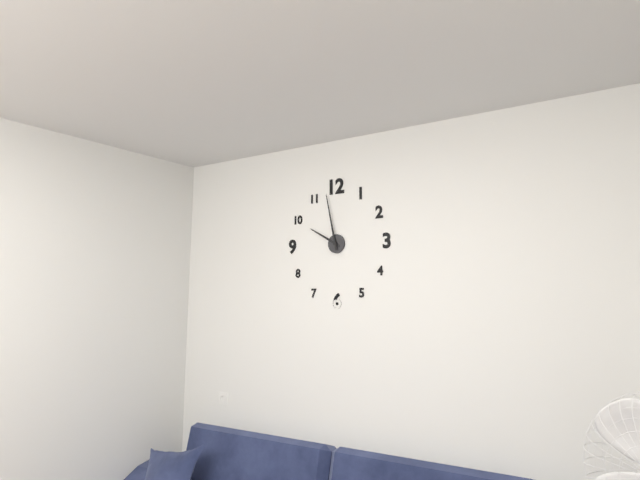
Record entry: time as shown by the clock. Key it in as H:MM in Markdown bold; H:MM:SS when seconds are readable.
**9:58**
